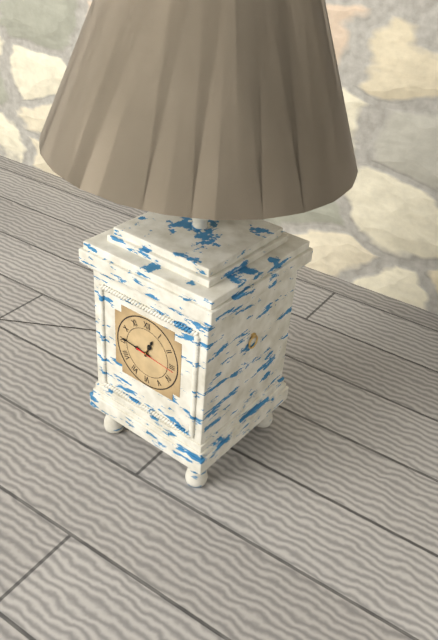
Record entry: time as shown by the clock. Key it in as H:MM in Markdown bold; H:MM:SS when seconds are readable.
**12:46**
